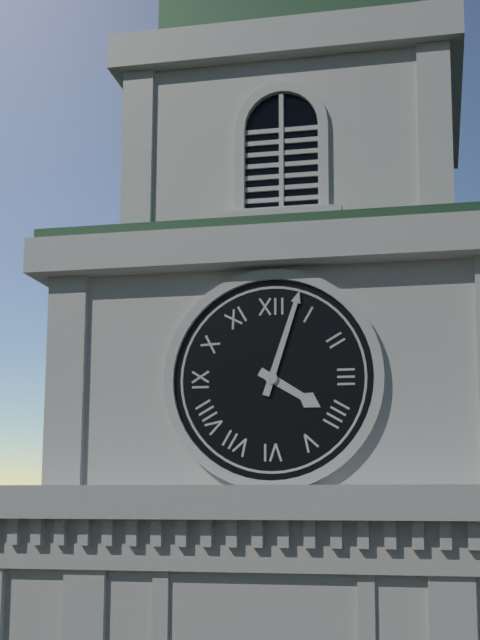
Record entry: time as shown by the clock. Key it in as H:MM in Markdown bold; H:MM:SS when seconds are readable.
**4:03**
